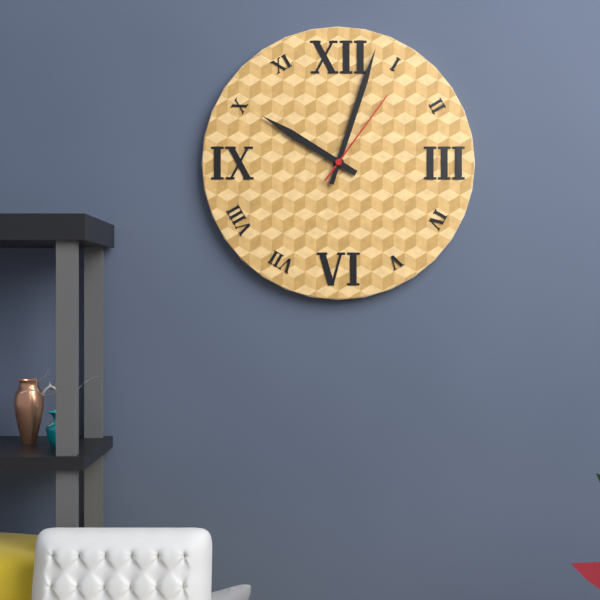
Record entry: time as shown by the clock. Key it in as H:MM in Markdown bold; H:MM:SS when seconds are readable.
**10:03:06**
